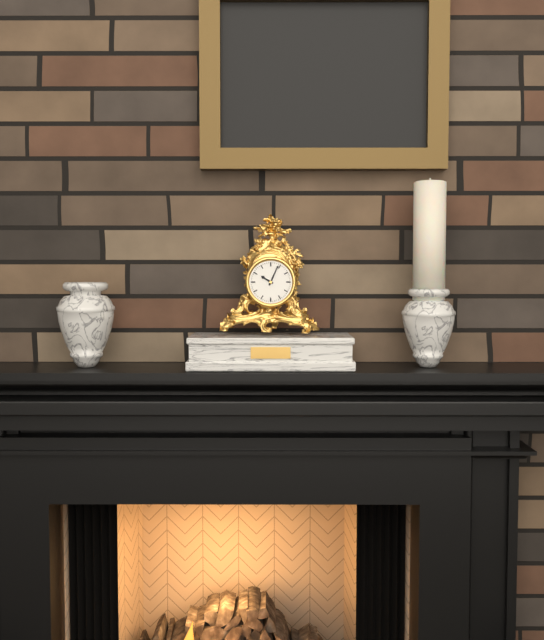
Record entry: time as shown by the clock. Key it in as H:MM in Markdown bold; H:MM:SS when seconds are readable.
**10:04**
